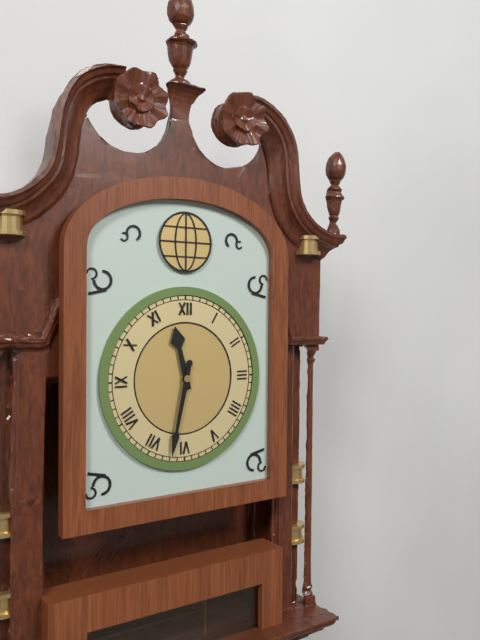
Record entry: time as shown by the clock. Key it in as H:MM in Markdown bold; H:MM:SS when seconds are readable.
**11:32**
